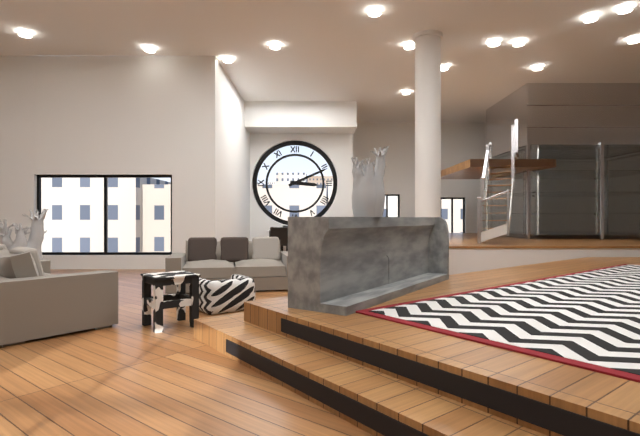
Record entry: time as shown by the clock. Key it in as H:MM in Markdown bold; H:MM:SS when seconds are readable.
**3:11**
